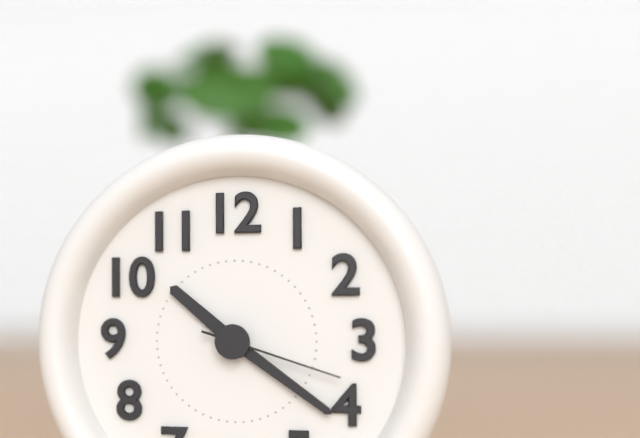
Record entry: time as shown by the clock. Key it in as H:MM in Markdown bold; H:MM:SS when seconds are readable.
**10:21:18**
